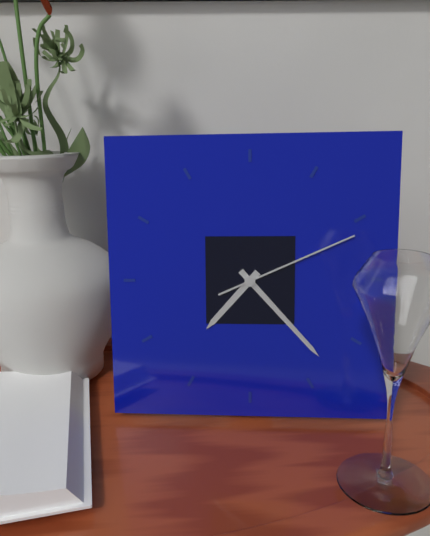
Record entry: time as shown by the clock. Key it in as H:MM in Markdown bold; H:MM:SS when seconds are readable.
**7:23:11**
